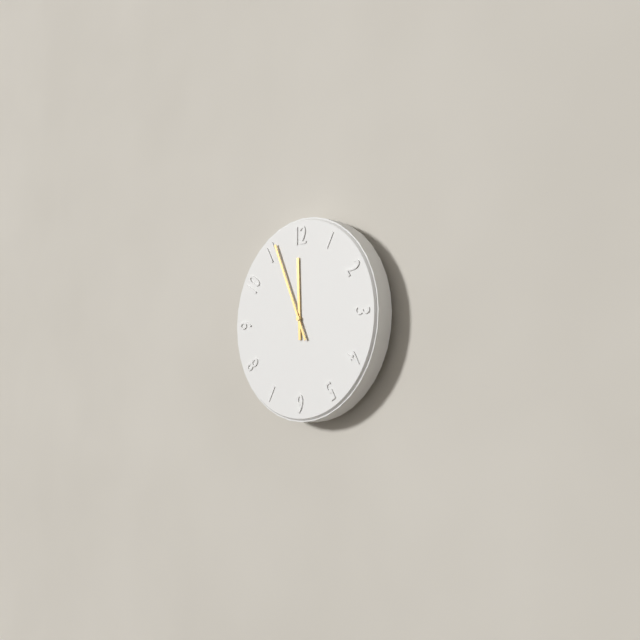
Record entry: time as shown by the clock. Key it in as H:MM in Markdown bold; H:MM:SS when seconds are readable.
**11:56**
